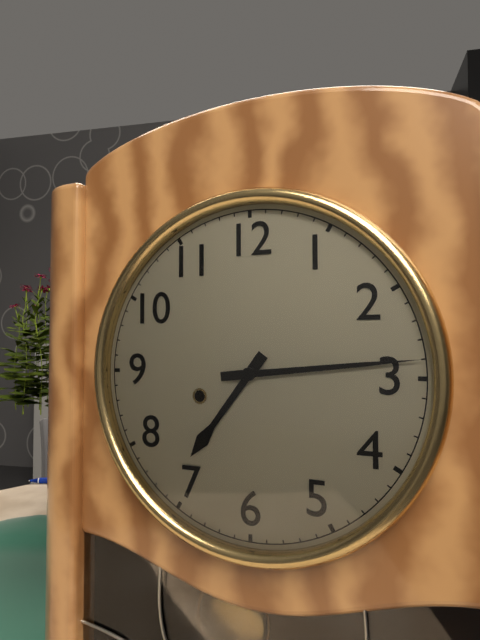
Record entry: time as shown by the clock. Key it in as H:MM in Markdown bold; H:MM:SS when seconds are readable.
**7:14**
